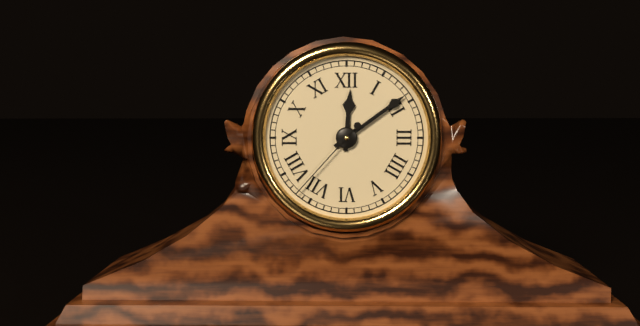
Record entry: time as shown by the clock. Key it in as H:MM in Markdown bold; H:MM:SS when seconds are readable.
**12:09:37**
